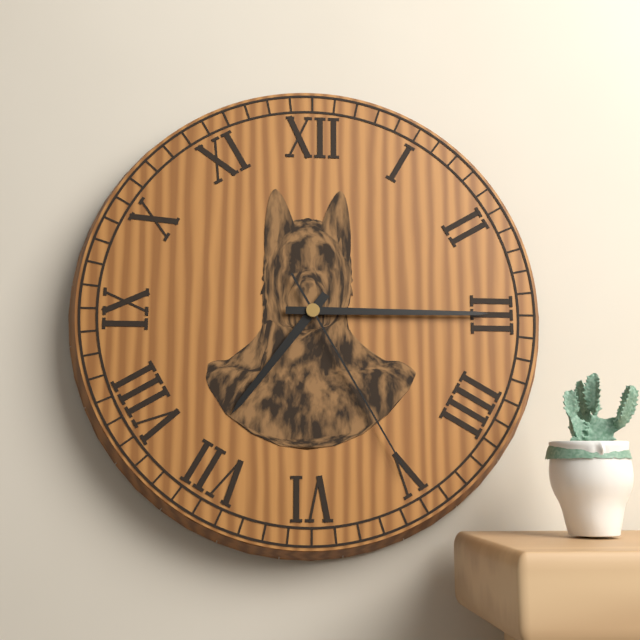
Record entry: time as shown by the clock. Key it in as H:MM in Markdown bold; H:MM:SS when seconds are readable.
**7:15:25**
